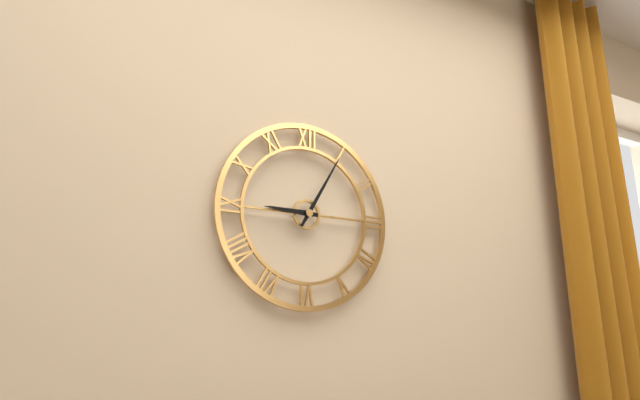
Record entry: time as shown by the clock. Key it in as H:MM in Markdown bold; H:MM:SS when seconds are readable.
**9:05**
